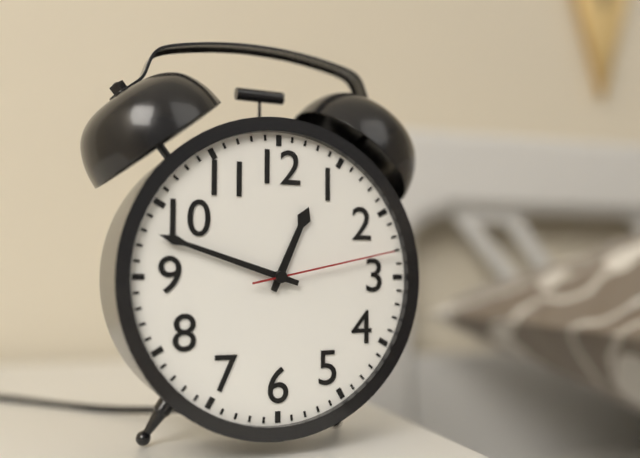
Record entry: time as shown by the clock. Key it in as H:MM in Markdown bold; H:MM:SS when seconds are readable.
**12:48:13**
